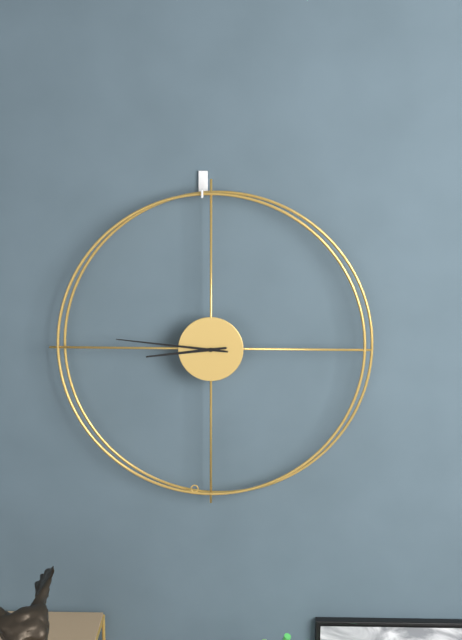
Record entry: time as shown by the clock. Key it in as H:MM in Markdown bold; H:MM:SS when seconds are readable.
**8:46**
